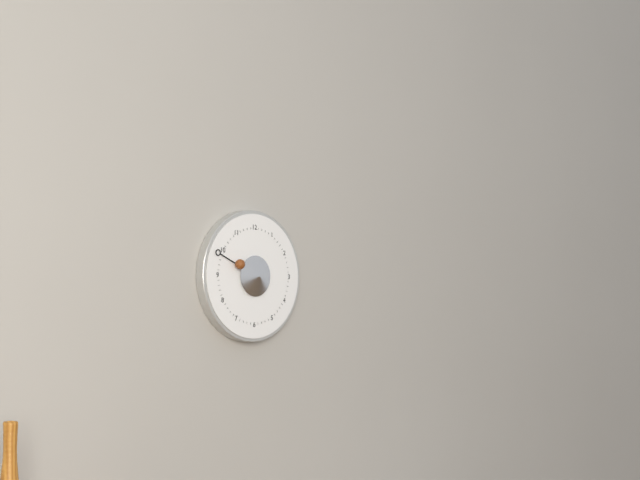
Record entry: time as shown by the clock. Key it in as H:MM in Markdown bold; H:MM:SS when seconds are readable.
**9:49**
